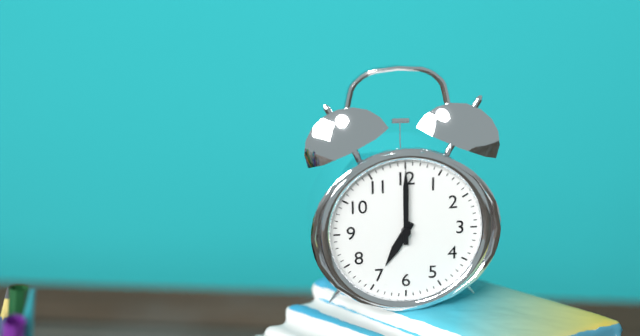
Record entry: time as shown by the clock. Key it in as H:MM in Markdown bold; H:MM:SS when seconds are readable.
**7:00**
